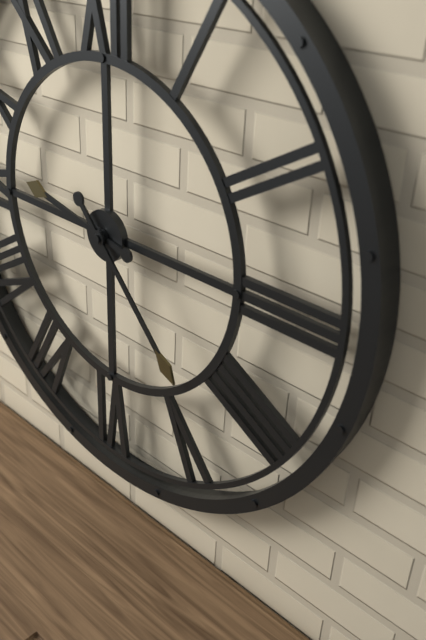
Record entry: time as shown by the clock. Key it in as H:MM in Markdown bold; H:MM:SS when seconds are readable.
**9:23**
